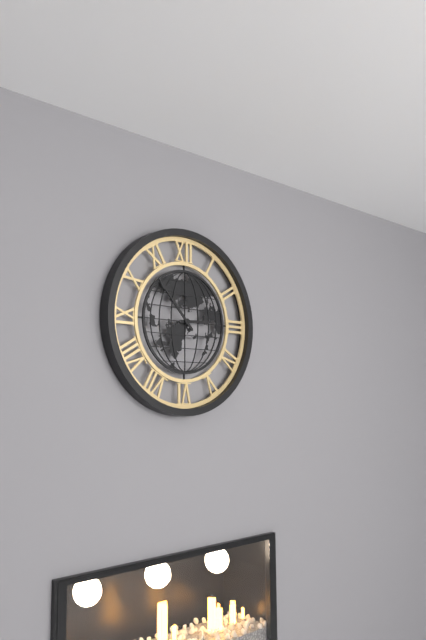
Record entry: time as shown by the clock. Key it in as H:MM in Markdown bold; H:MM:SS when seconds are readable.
**2:53**
